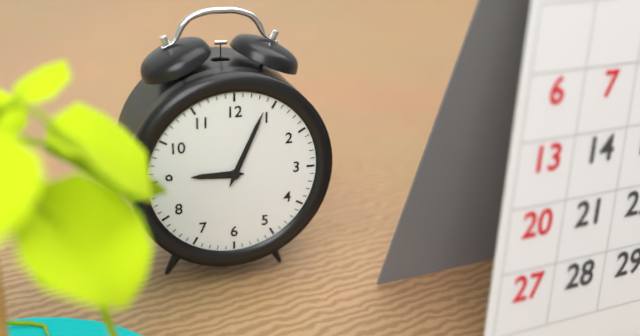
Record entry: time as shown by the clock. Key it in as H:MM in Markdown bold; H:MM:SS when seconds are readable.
**9:04**
